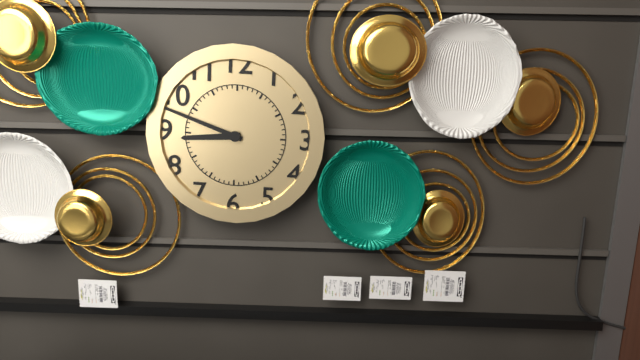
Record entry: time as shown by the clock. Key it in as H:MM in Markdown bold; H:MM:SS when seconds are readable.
**8:48**
